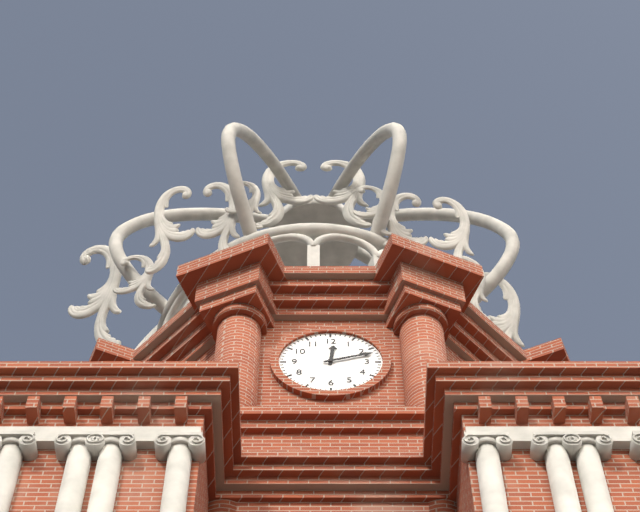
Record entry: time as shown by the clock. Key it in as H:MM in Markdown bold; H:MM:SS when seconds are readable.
**12:12**
